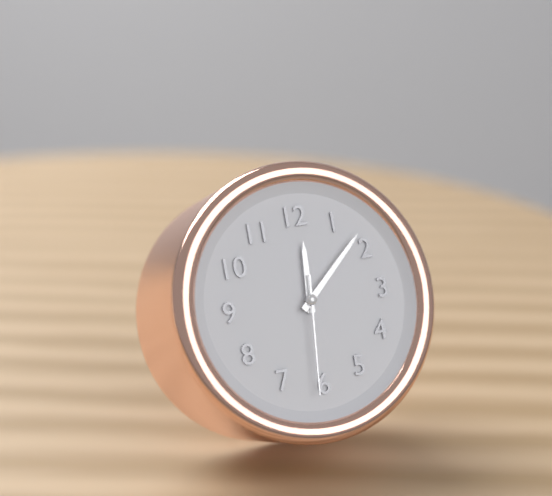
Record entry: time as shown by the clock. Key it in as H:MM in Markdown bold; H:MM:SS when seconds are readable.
**12:08:31**
